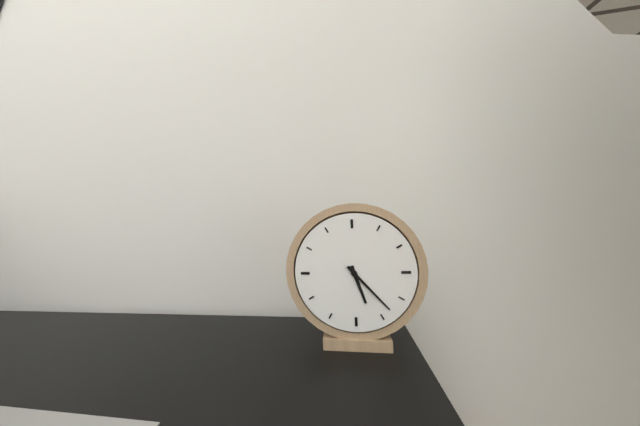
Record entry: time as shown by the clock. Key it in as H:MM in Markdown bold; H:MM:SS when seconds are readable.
**5:23**
